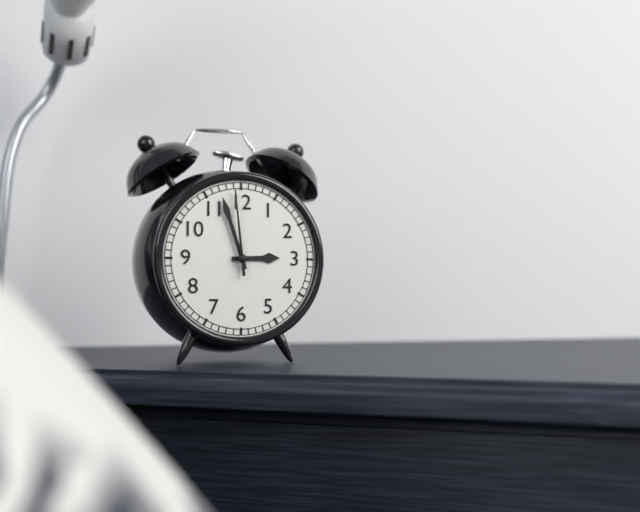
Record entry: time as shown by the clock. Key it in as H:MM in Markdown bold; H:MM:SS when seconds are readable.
**2:57:59**
